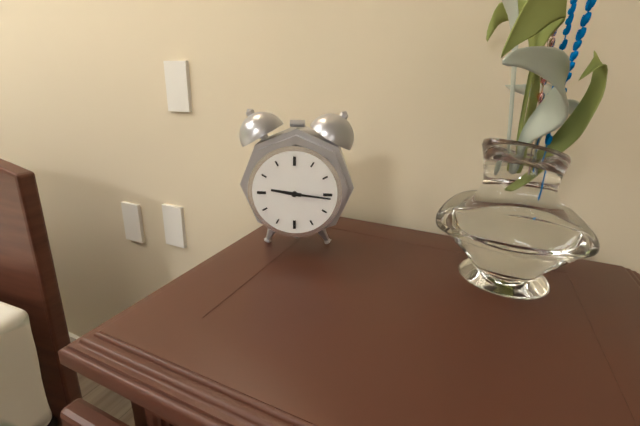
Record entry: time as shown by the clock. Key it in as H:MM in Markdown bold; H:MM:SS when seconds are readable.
**9:16**
